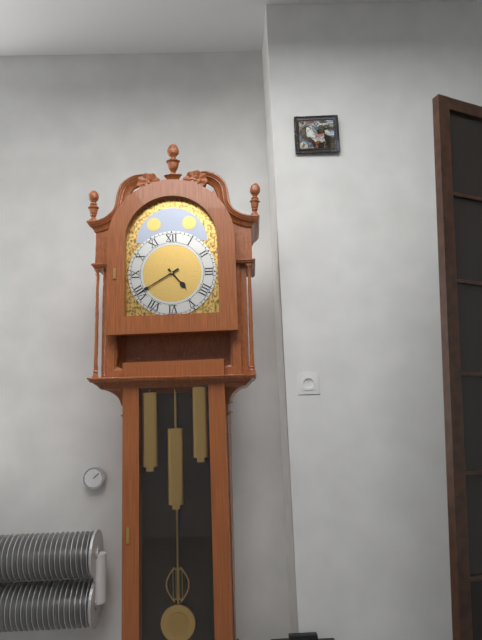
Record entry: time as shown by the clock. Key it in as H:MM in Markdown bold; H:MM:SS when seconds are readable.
**4:40**
